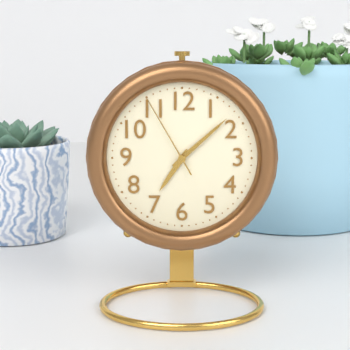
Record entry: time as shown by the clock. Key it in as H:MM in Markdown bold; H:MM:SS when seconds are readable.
**7:08:55**
